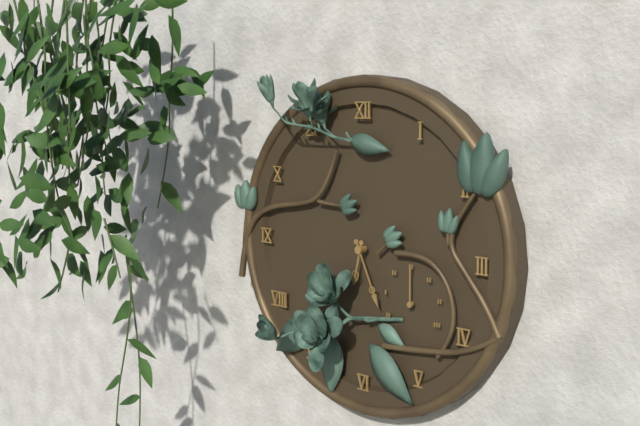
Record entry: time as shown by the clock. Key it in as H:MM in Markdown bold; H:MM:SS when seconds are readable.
**6:26**
